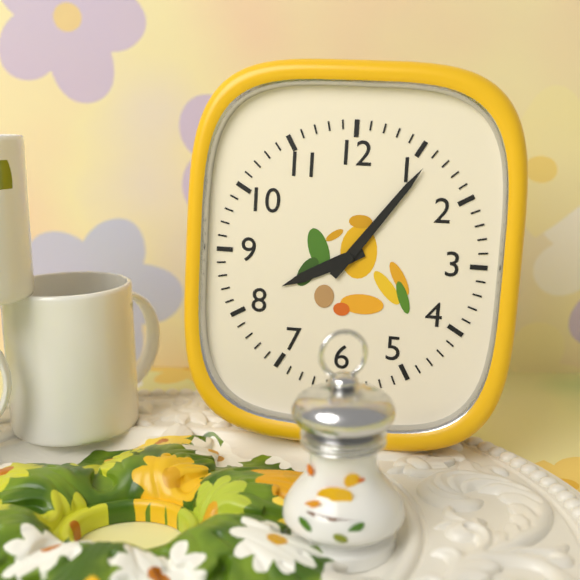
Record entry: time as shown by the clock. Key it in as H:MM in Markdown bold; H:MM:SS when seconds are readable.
**8:06**
